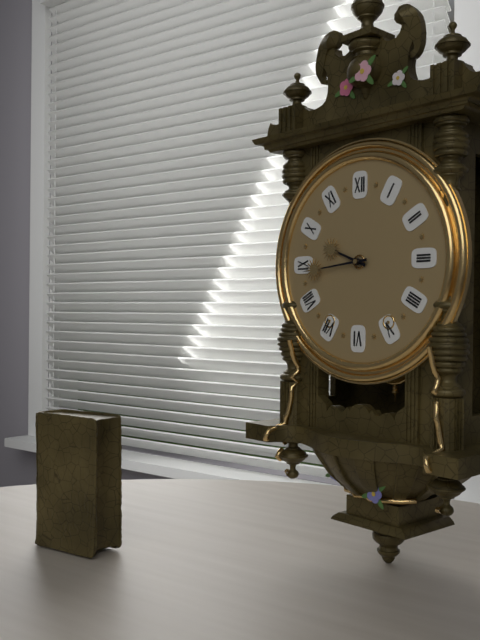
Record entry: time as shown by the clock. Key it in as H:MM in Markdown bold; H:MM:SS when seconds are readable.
**9:44**
